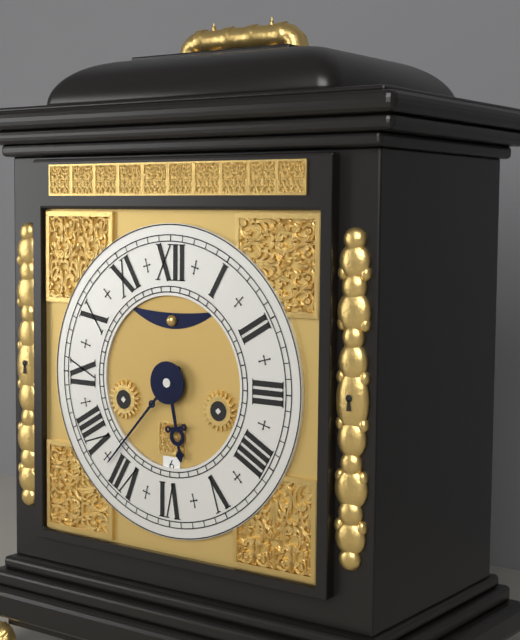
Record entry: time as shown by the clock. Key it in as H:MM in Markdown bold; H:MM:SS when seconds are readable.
**5:37**
